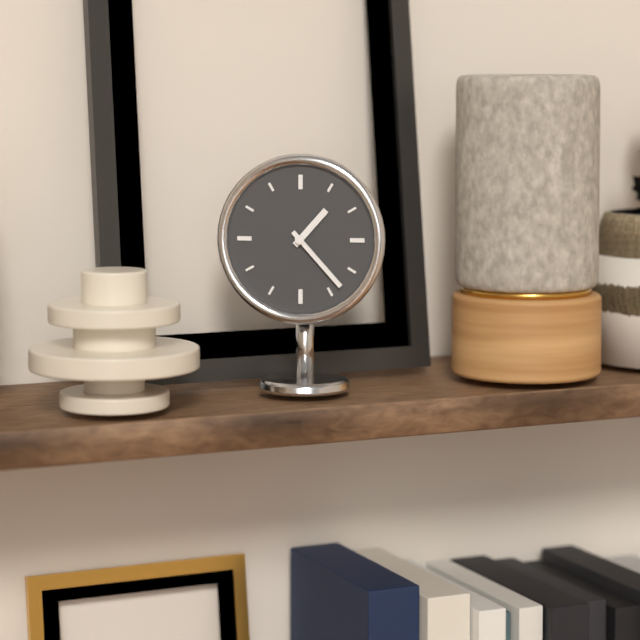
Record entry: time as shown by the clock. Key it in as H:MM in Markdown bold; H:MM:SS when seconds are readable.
**1:23**
